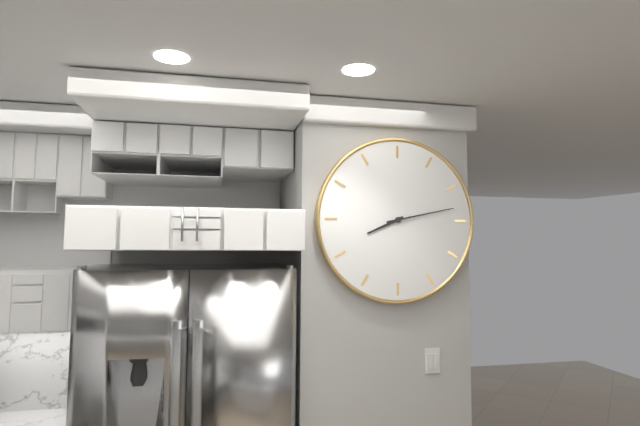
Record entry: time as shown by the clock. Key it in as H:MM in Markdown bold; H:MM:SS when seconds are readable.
**8:13**
